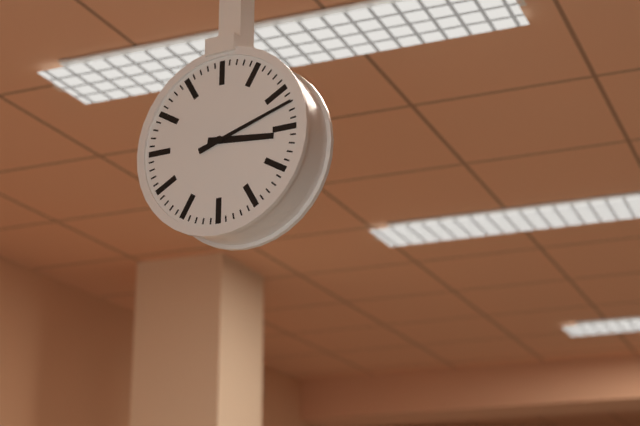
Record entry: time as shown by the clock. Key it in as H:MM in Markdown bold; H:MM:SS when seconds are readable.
**3:12**
